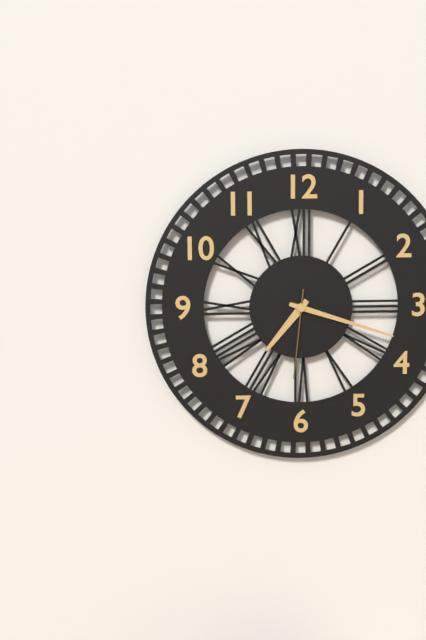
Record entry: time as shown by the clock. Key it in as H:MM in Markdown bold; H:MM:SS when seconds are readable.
**7:18:31**
